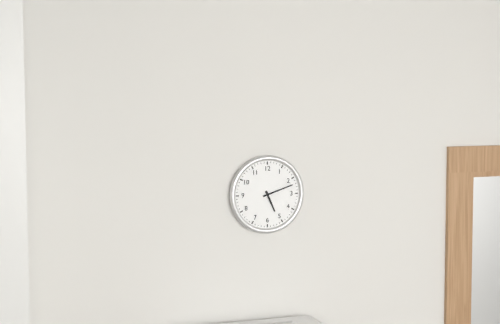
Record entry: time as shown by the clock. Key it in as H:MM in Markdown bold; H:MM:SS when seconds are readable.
**5:12**
